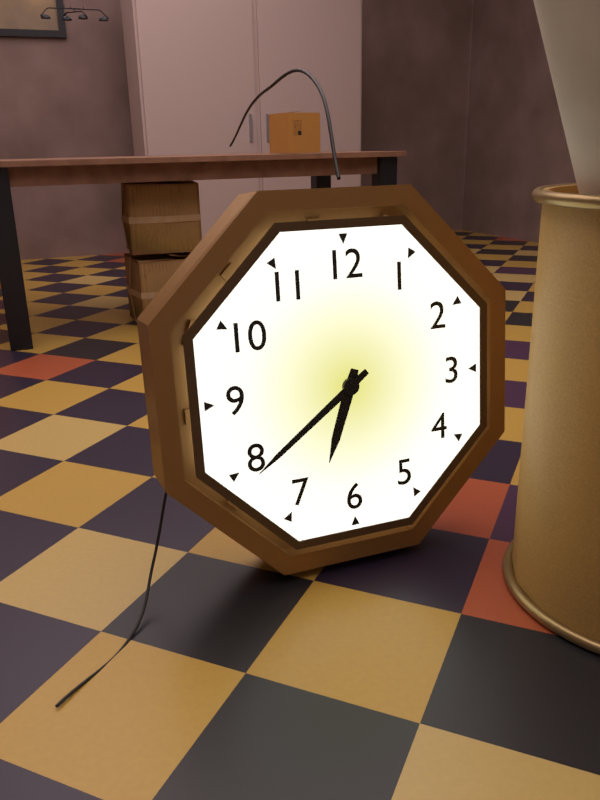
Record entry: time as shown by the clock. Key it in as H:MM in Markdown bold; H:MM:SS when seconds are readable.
**6:39**
